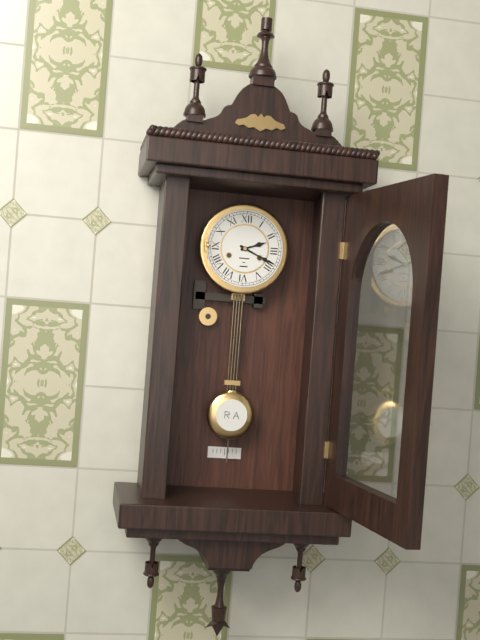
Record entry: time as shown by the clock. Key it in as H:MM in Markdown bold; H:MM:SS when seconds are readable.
**2:19**
